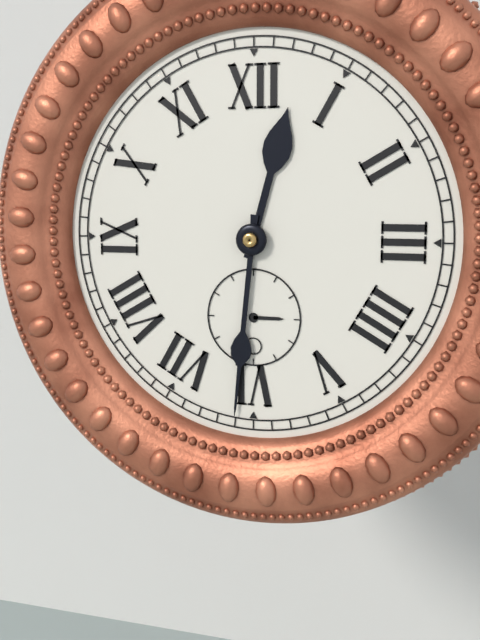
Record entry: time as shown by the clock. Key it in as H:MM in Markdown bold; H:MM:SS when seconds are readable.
**12:31**
